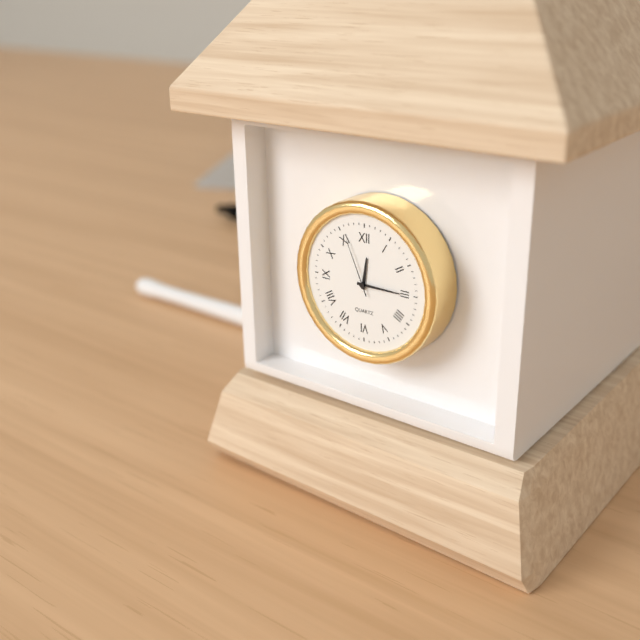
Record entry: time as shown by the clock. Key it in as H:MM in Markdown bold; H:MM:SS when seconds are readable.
**12:15:56**
